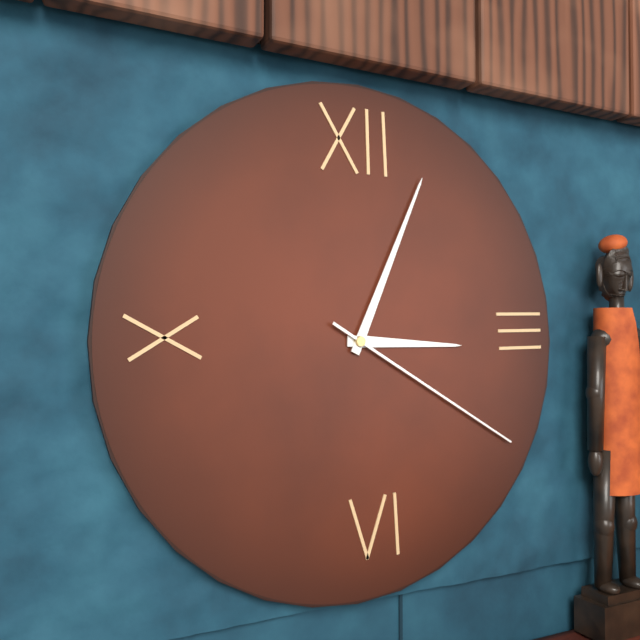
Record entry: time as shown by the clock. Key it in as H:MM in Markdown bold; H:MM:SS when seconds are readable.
**3:04:20**
